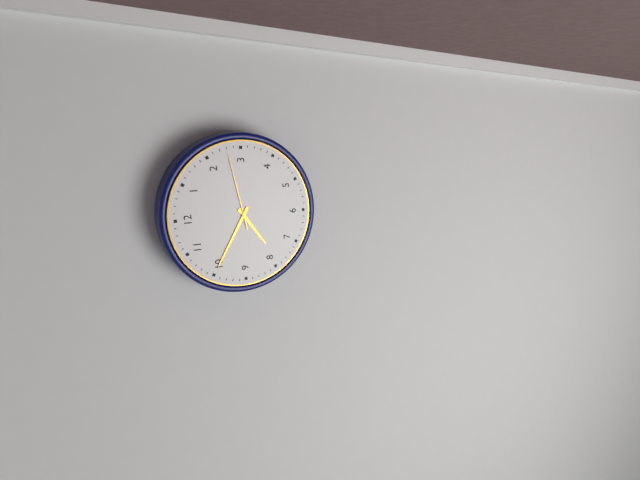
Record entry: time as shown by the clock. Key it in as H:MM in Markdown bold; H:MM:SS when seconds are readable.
**7:50:13**
